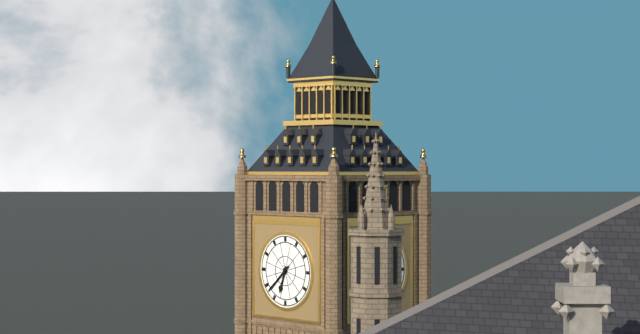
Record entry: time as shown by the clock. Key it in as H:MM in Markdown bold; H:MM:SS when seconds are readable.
**6:38**
